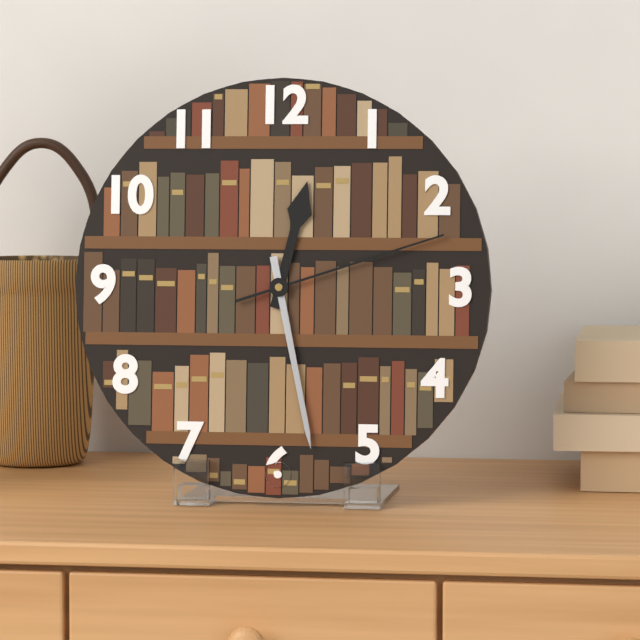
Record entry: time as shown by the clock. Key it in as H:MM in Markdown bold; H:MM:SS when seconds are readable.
**12:28:12**
